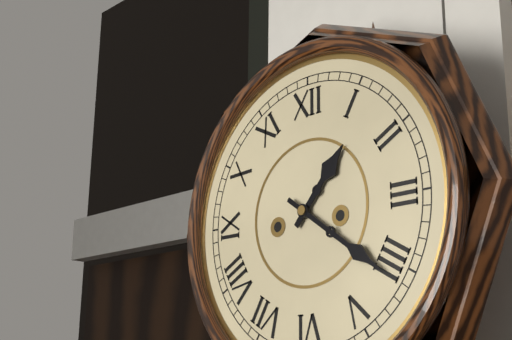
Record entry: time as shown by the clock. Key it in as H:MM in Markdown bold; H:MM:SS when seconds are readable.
**1:21**
